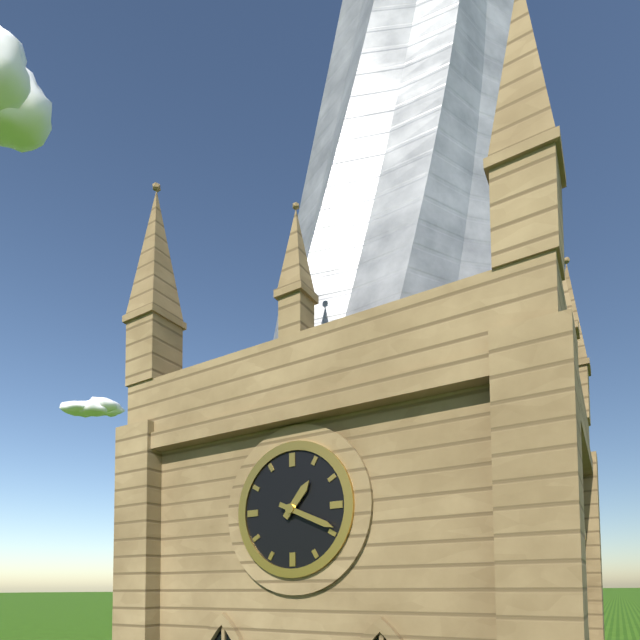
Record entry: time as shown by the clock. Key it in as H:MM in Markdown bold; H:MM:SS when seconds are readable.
**1:19**
